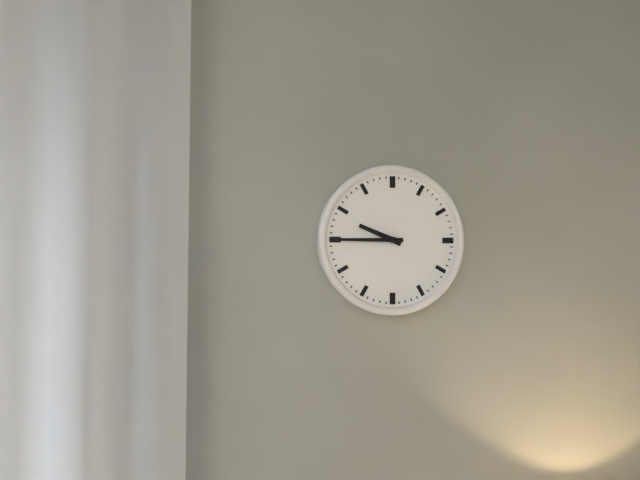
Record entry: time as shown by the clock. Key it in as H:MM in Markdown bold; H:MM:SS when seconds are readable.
**9:45**
